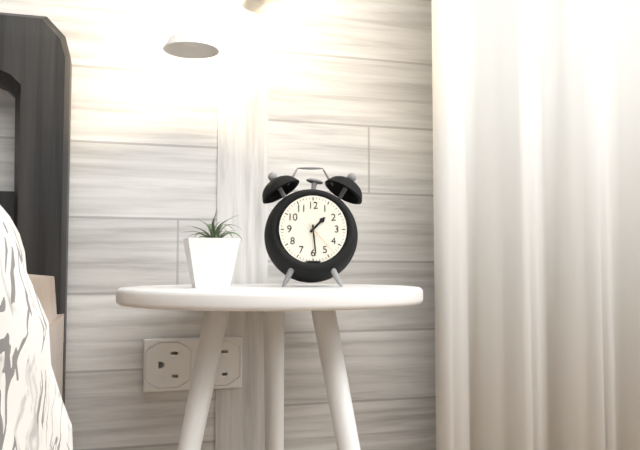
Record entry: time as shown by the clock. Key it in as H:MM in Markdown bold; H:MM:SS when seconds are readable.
**1:29**
